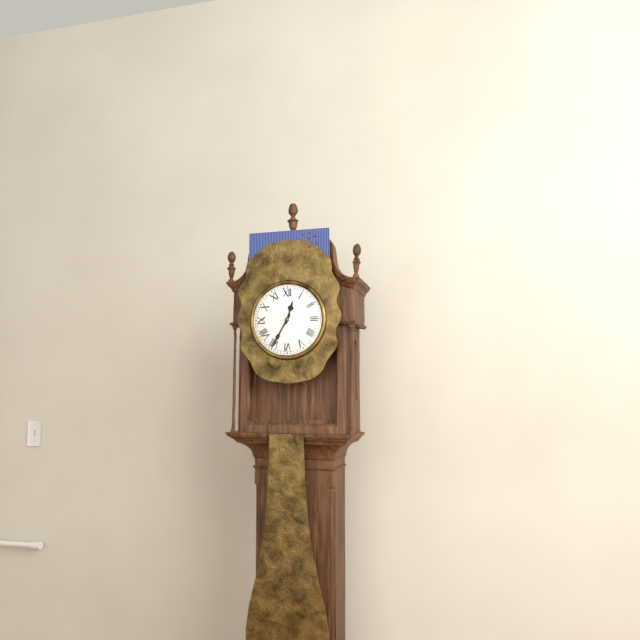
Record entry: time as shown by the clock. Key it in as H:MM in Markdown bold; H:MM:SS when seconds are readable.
**12:35**
